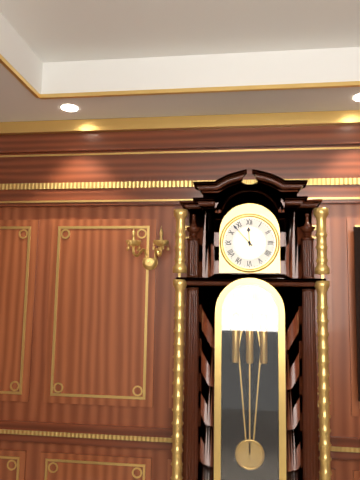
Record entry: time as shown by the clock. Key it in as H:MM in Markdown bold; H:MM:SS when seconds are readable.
**11:53**
